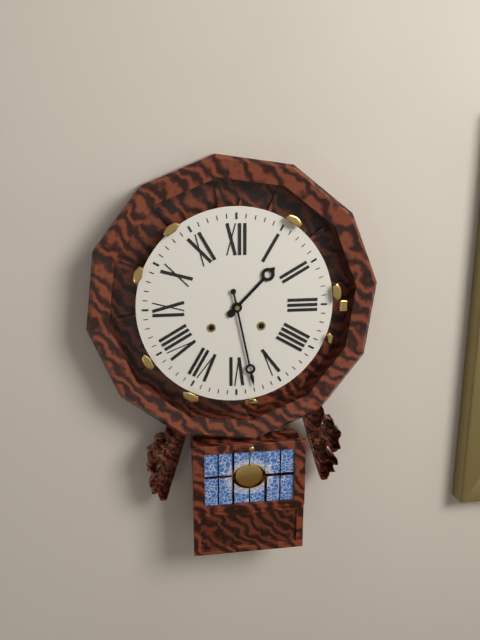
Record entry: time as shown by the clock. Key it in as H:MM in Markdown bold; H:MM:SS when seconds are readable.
**1:28**
